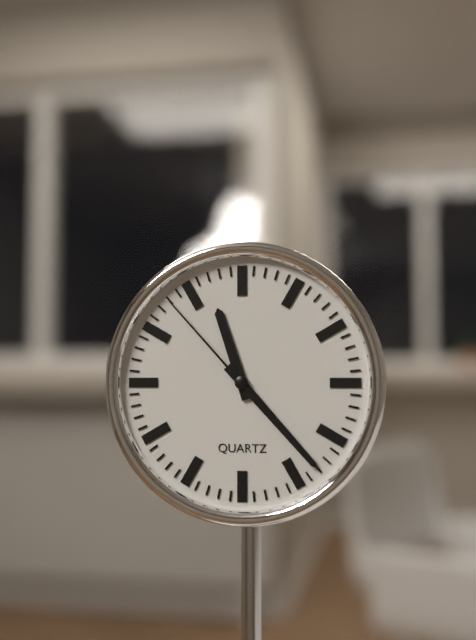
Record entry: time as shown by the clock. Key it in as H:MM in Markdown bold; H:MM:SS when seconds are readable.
**11:23:53**
